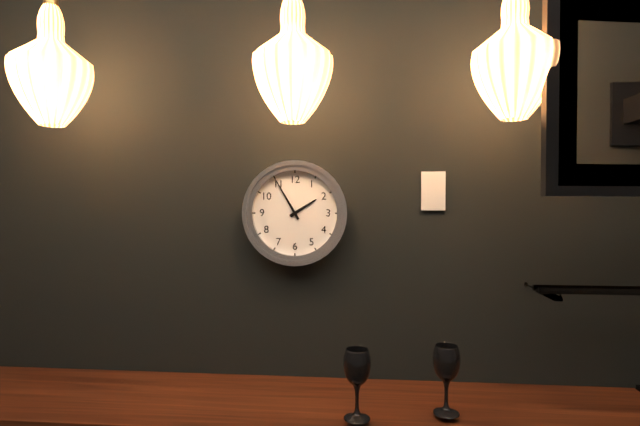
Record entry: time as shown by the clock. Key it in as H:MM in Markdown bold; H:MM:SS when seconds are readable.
**1:55**
